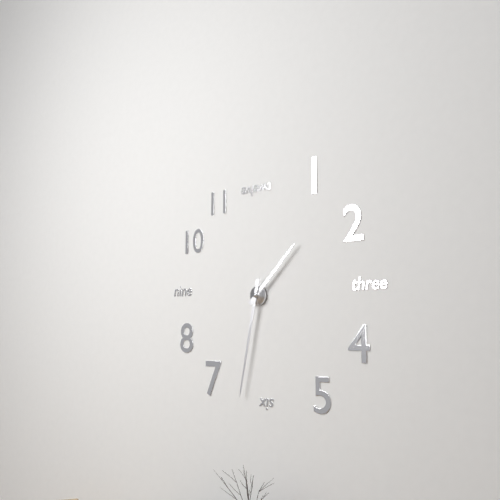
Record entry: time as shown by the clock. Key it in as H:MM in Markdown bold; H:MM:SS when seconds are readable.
**1:32**
